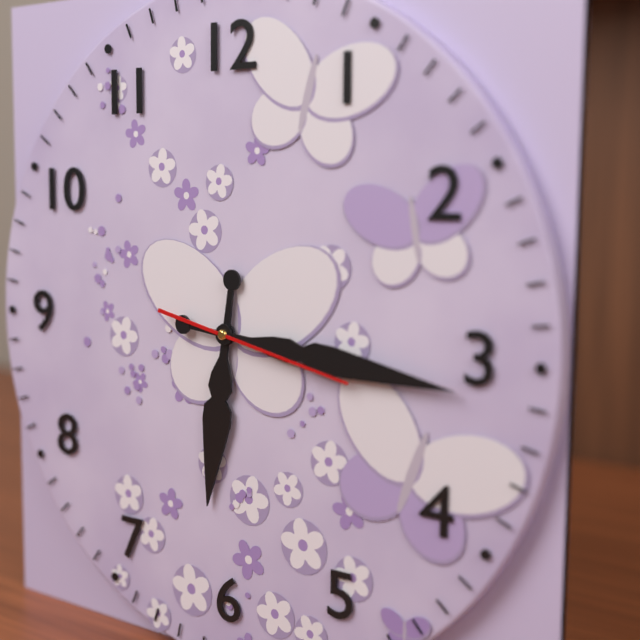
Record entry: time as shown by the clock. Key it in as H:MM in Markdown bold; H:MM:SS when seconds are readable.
**6:16:17**
